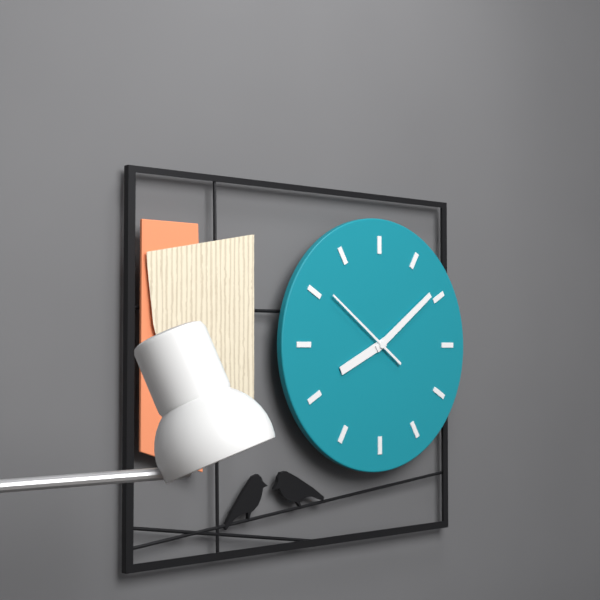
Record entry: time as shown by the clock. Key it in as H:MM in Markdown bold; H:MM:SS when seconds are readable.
**8:09:51**
